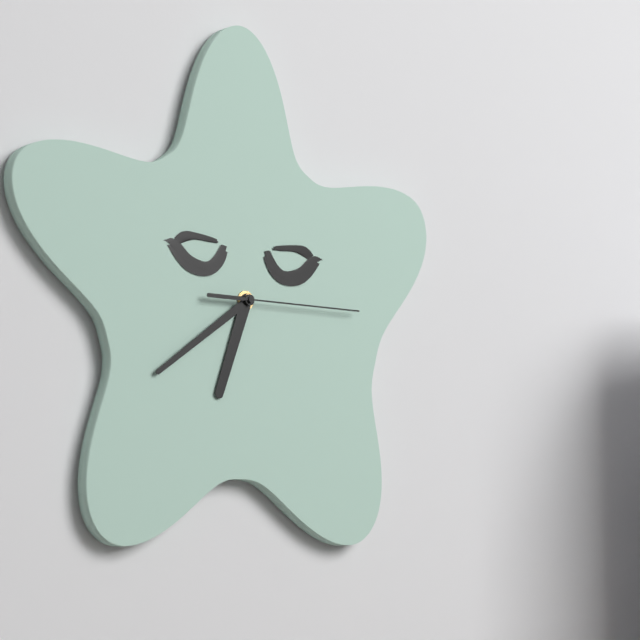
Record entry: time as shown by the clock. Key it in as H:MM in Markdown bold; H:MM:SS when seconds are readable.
**6:39:15**
